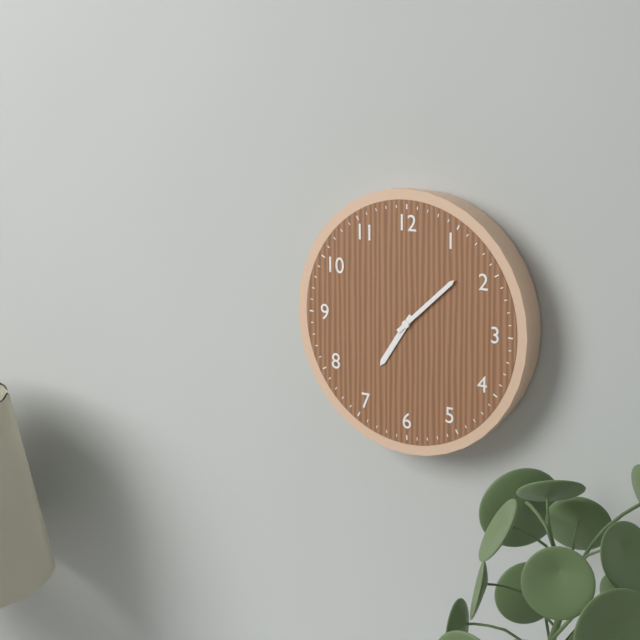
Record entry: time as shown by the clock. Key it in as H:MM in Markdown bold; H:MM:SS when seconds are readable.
**7:08**
